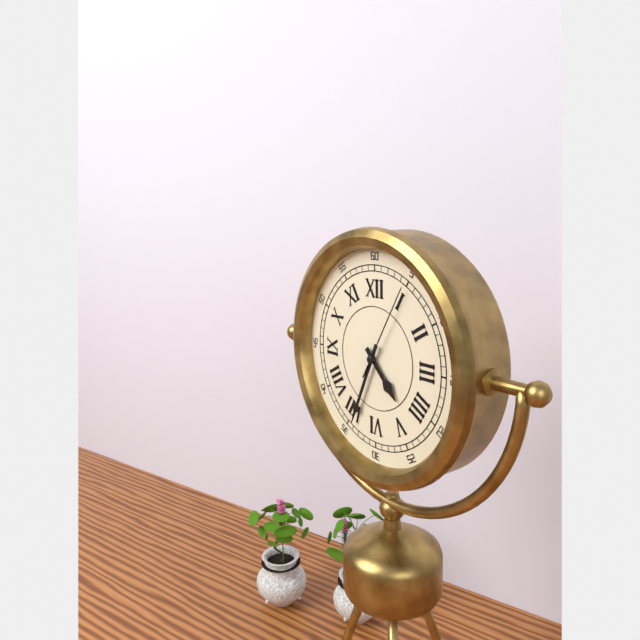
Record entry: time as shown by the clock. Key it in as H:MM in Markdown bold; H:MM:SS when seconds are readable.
**4:34:05**
